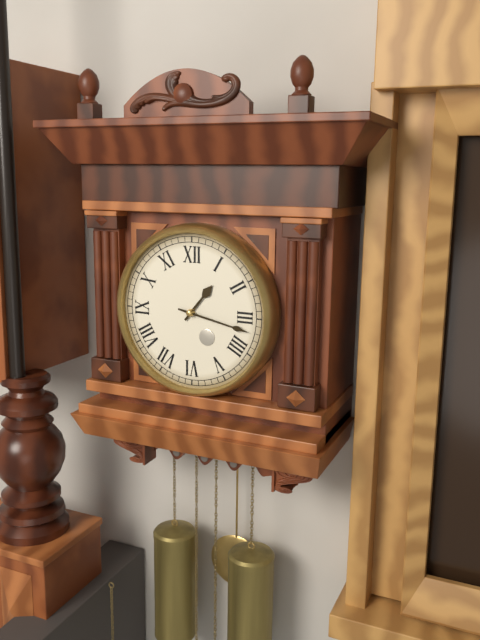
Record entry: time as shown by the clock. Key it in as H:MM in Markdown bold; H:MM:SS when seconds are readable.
**1:17**
